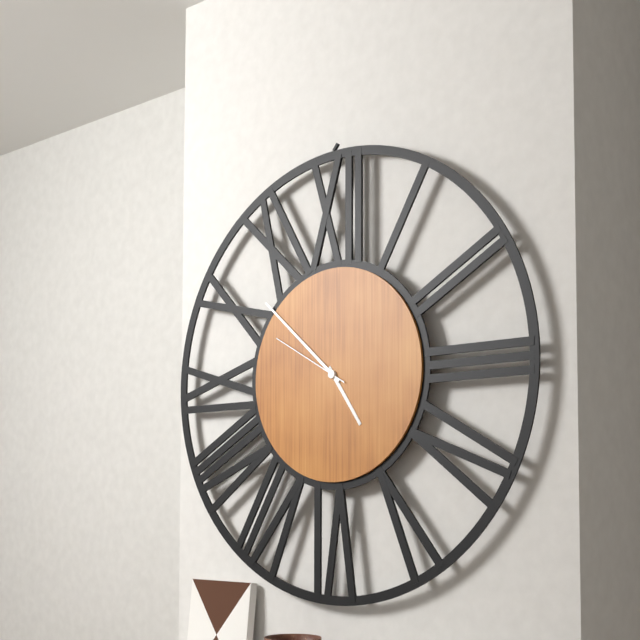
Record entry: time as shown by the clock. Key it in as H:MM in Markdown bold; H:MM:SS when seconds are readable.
**4:52:50**
